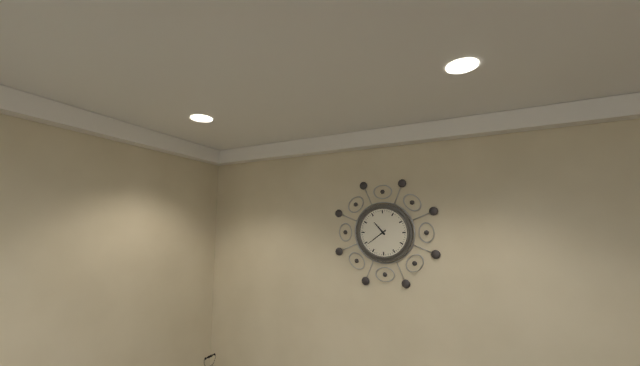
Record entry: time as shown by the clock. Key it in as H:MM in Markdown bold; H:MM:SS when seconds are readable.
**10:39**
